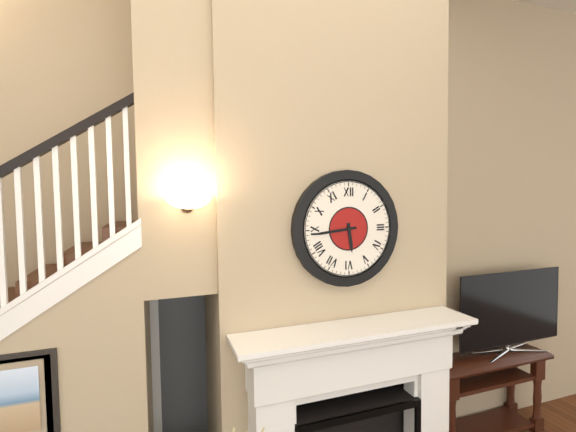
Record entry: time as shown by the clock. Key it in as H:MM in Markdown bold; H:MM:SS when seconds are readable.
**5:44**
